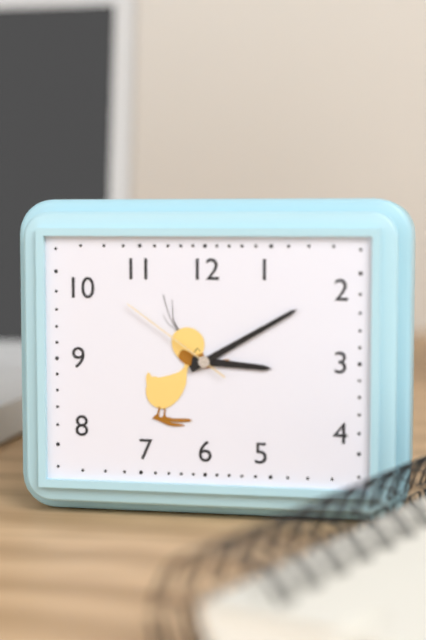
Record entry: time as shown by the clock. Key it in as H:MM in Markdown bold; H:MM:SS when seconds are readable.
**3:10:51**
